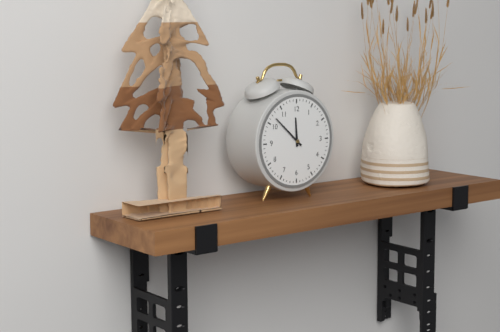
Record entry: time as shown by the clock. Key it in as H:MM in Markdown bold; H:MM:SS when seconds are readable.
**11:52**
